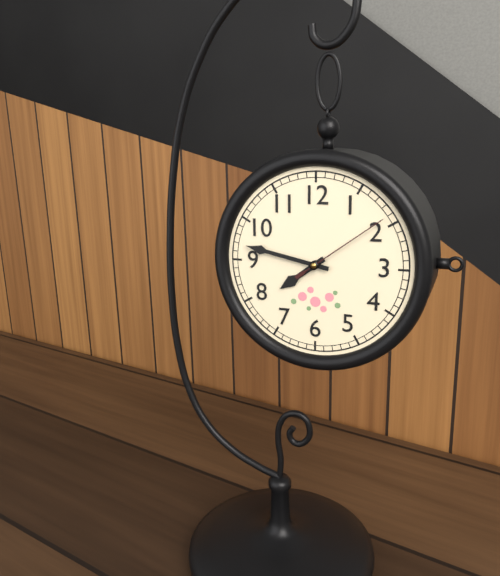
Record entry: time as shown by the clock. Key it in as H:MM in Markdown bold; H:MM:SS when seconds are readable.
**7:47:09**
